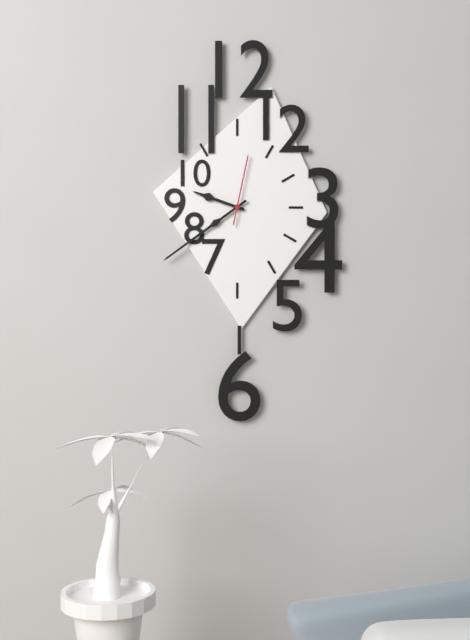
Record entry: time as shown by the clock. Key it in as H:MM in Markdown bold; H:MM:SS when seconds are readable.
**9:39:02**
